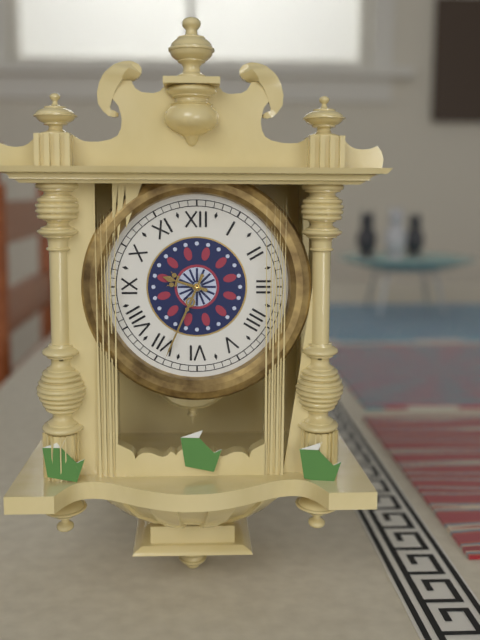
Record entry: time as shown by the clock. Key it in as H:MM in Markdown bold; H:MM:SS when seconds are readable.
**9:34**
